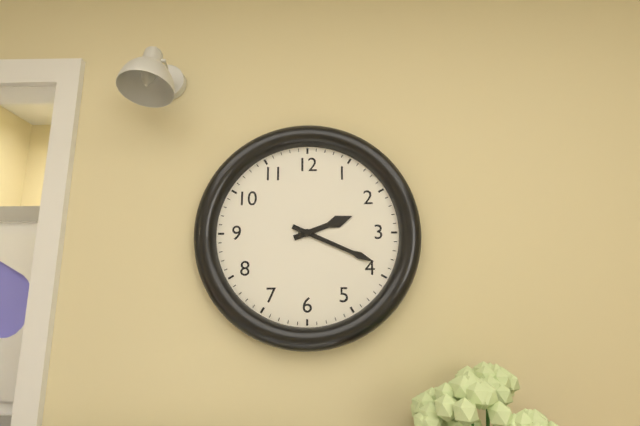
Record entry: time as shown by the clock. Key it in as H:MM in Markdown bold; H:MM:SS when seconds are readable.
**2:19**
